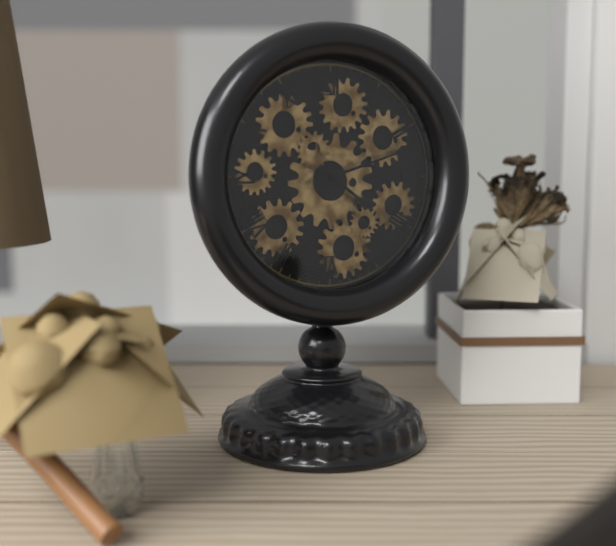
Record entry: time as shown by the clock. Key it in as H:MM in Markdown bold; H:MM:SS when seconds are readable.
**4:12**
